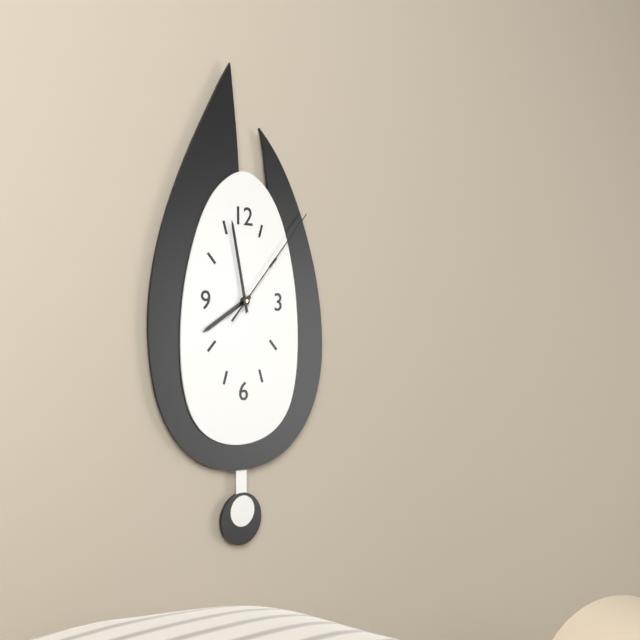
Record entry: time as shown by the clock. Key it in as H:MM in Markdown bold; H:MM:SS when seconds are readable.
**7:58:07**
